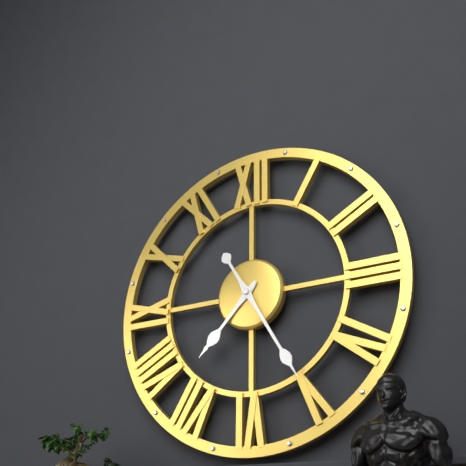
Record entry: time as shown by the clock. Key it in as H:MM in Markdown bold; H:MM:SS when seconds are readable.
**7:25**
